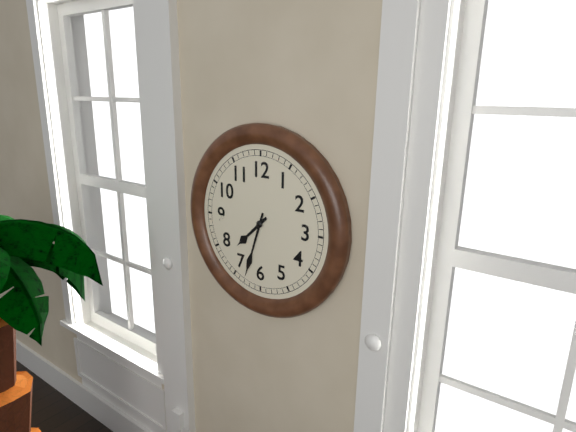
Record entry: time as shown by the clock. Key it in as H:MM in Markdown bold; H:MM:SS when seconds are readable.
**7:33**
